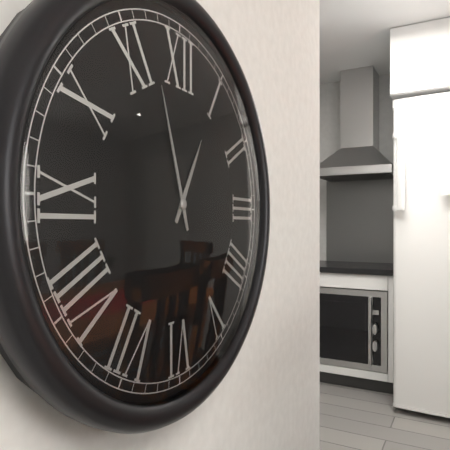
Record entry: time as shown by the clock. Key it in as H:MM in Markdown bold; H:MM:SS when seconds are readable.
**12:57**
